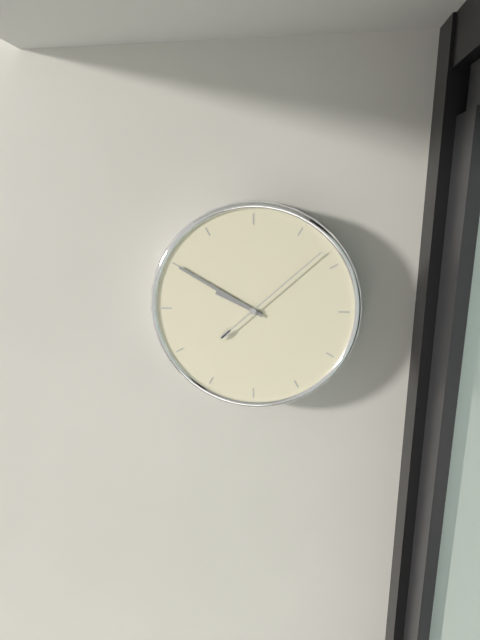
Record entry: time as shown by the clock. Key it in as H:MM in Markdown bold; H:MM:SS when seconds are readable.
**9:50:08**
